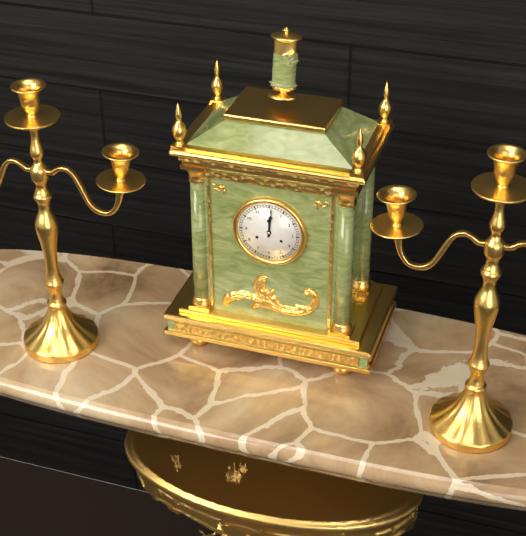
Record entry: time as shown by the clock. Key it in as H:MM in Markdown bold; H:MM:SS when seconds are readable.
**12:01**
